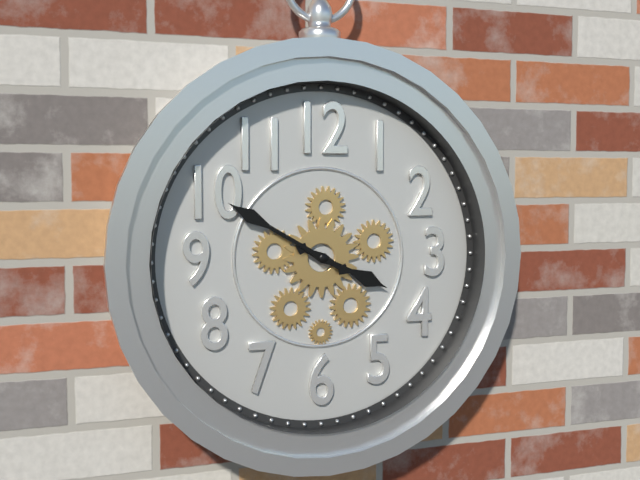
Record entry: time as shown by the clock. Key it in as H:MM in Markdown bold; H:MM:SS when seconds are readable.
**3:50**
